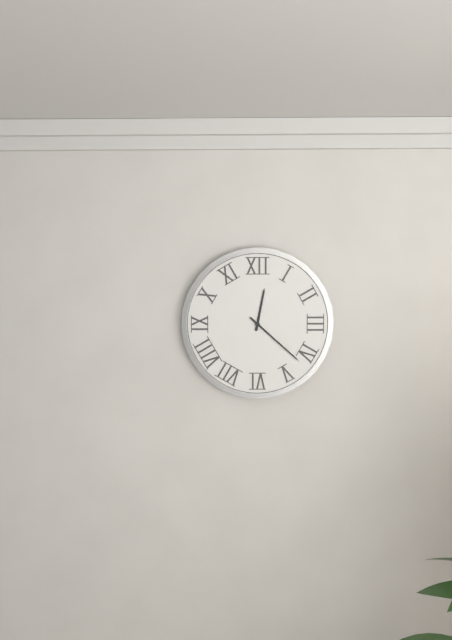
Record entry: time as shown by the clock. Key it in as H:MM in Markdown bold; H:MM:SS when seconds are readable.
**12:22**
